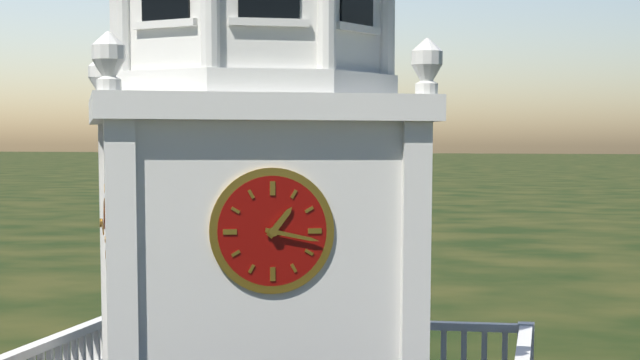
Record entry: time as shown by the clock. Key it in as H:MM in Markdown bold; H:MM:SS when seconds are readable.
**1:17**
